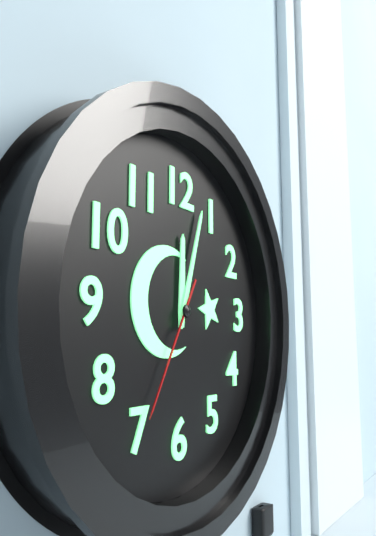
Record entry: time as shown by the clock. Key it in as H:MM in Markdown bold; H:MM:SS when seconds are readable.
**12:03:35**
